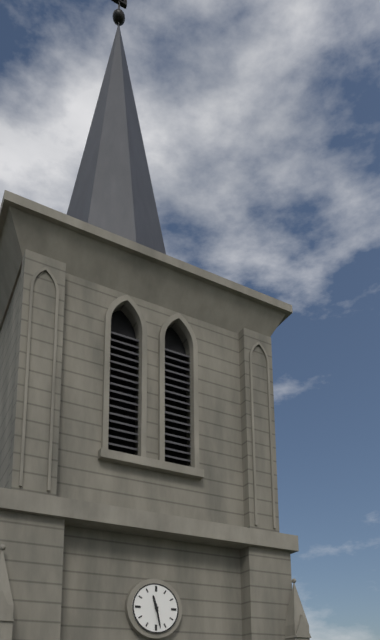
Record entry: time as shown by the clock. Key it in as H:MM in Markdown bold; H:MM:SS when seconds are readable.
**11:28**
